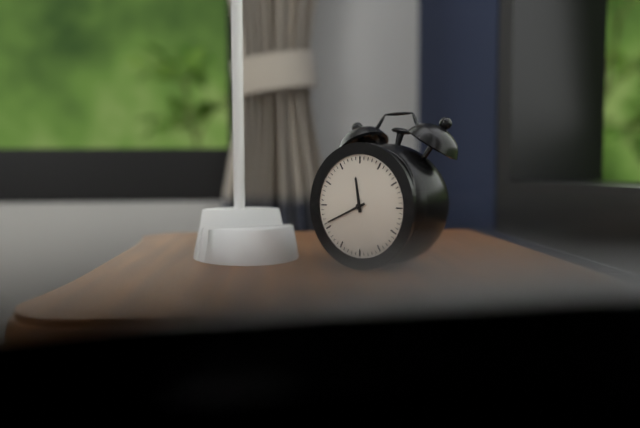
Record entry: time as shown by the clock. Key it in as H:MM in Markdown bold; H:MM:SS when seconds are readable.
**11:41**
